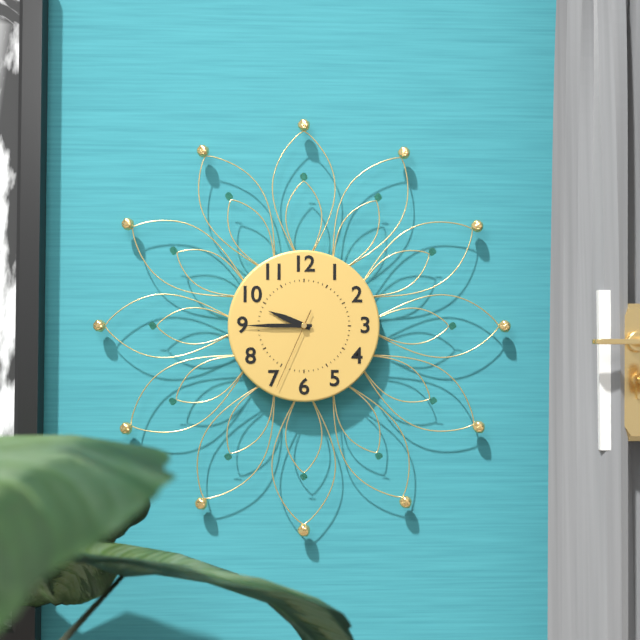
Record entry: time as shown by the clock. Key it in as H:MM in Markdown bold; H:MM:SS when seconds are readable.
**9:45:34**
